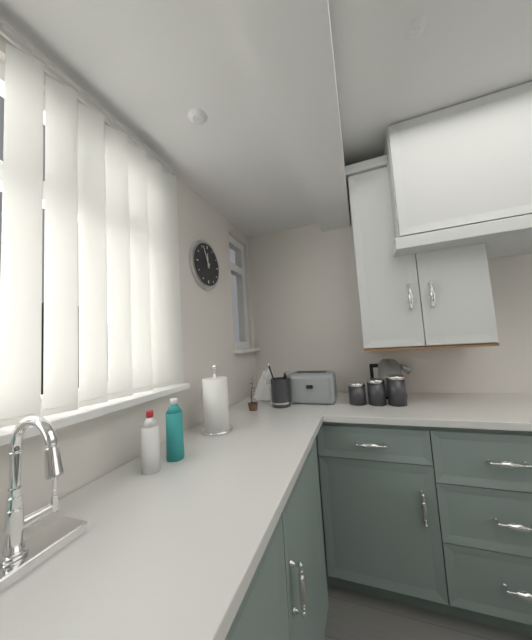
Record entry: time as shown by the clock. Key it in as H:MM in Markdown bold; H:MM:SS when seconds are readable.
**11:56**
